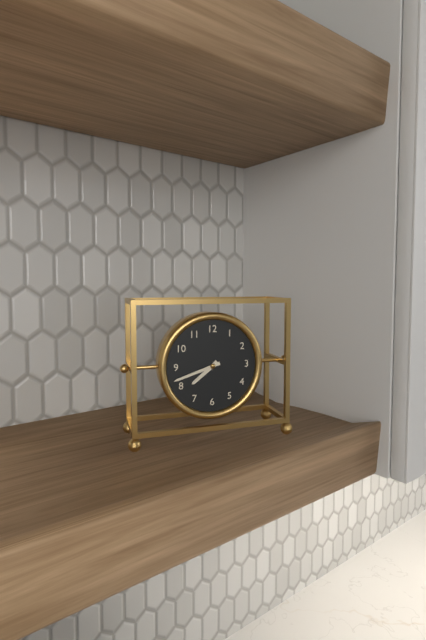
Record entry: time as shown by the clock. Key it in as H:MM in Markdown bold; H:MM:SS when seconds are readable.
**7:42**
